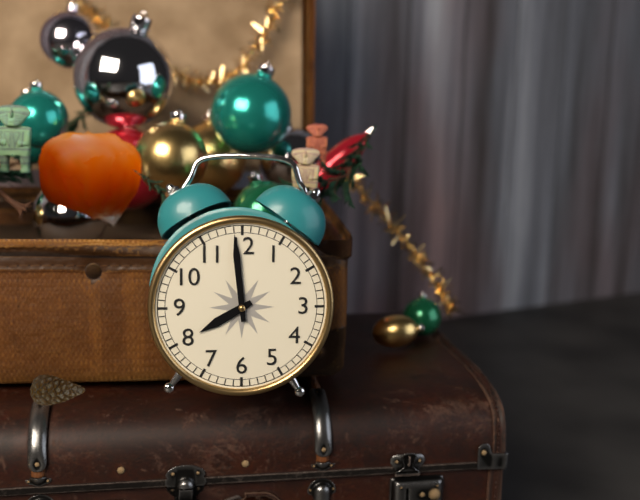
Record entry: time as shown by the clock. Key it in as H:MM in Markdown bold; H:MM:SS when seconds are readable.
**7:59**
